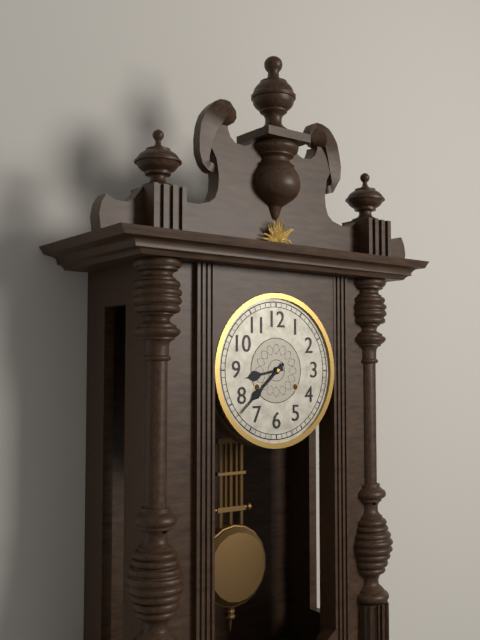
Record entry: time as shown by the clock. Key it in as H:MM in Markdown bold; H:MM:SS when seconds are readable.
**8:38**
